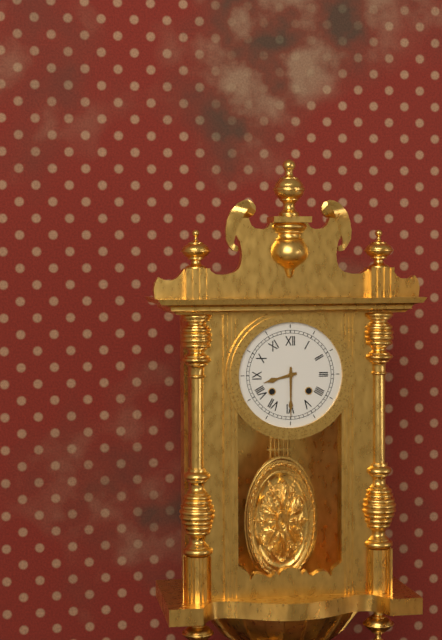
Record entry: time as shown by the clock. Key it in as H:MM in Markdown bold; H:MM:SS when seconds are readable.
**8:30**
